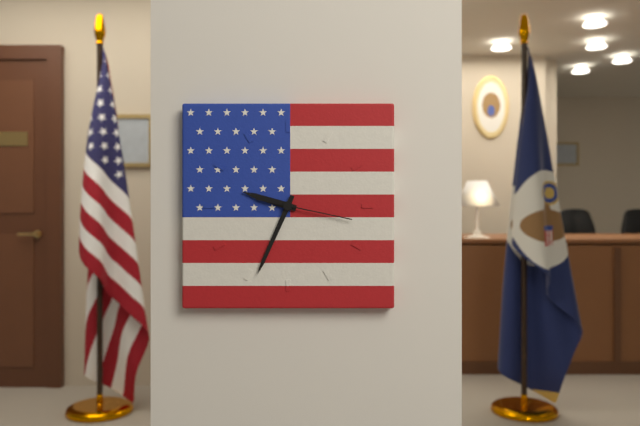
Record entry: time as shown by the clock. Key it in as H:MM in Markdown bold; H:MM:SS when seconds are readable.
**9:34:17**
